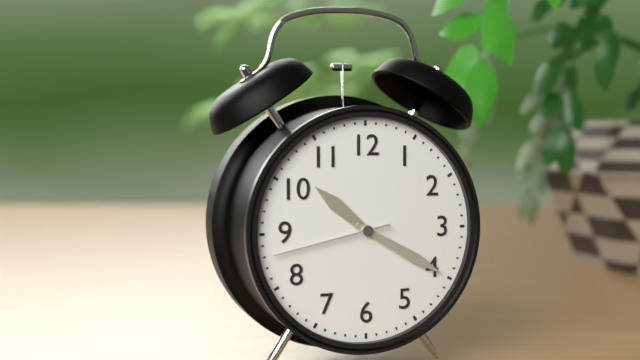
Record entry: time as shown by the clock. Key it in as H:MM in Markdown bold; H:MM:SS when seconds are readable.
**10:20:43**
